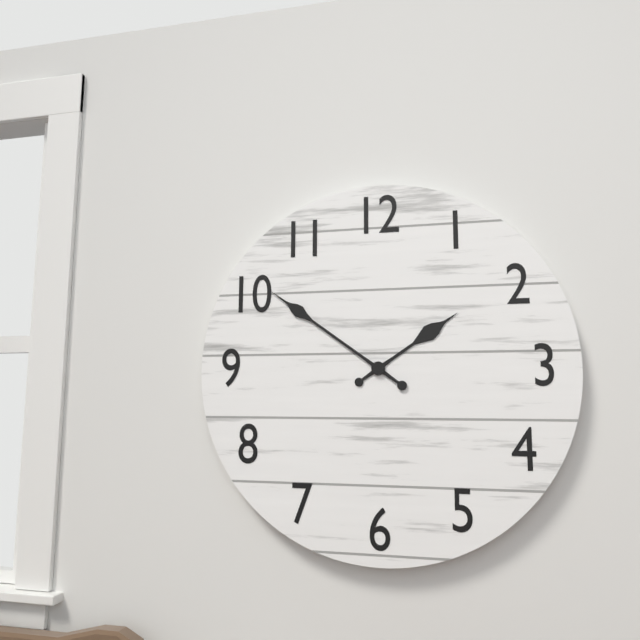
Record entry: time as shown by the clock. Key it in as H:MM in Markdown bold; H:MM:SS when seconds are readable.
**1:51**
